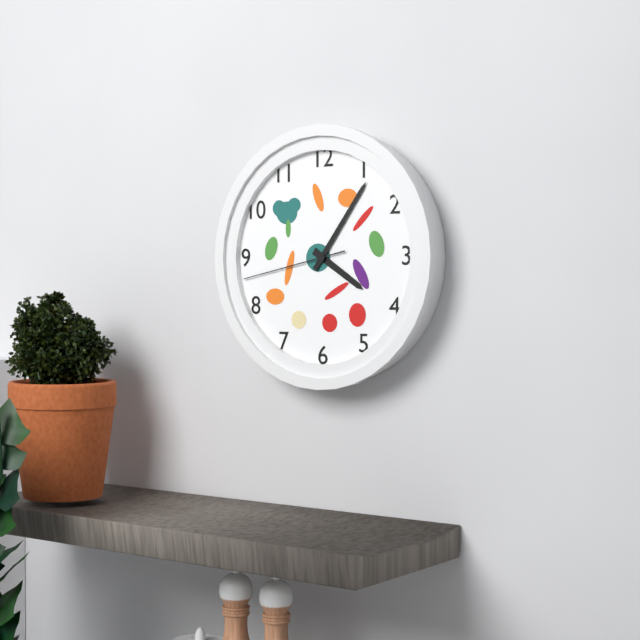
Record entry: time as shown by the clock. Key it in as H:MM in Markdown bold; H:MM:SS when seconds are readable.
**4:06:43**
